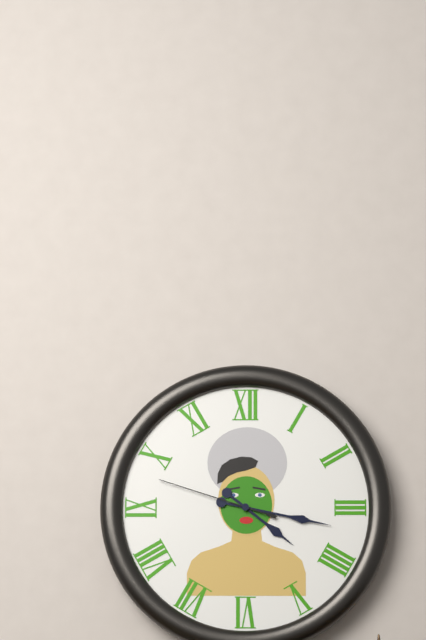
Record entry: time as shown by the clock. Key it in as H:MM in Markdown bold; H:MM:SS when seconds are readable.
**4:17:48**
